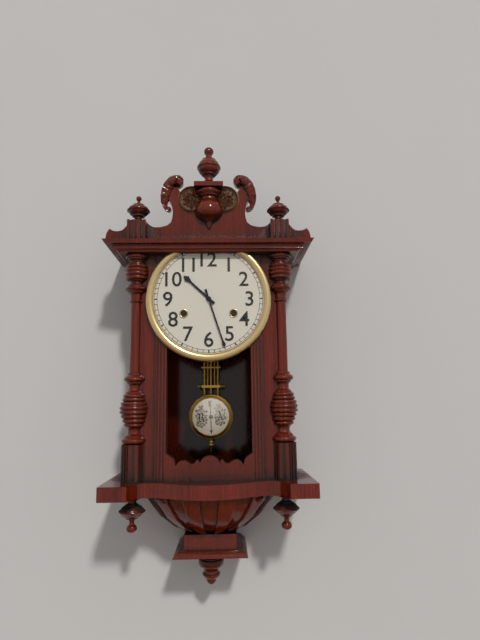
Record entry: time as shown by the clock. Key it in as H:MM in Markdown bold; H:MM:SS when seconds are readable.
**10:27**
